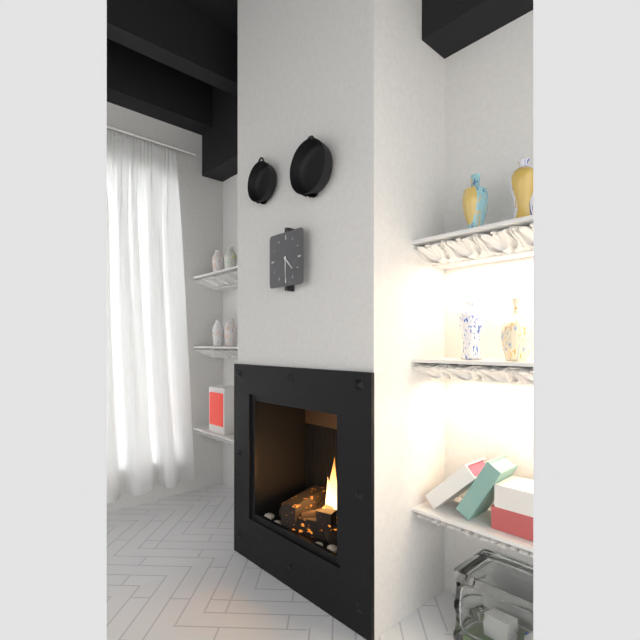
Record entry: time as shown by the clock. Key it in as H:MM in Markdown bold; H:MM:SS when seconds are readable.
**4:30**
